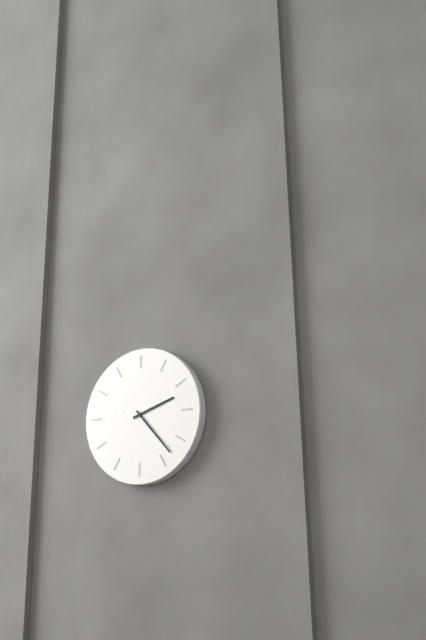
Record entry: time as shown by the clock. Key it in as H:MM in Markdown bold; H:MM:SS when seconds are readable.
**2:23**
